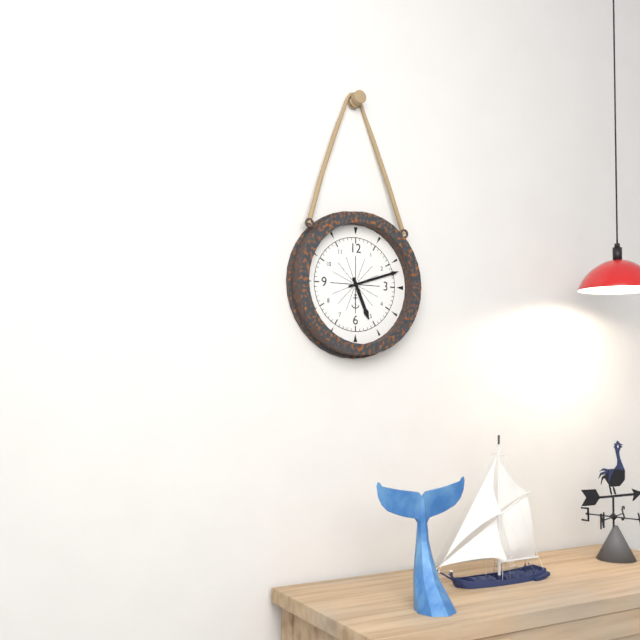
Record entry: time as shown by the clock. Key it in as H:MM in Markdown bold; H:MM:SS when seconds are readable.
**5:12**
